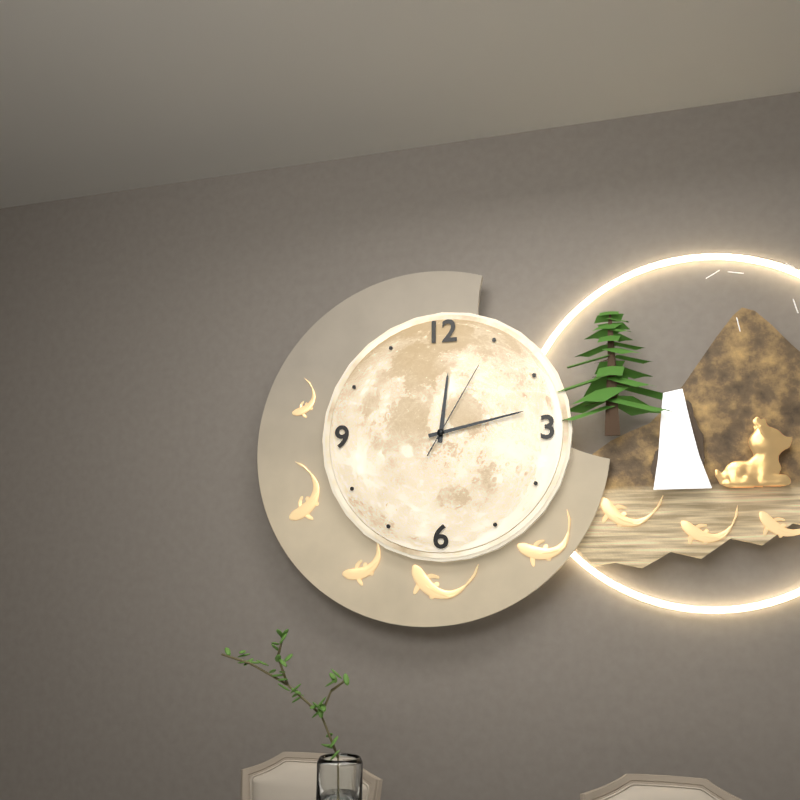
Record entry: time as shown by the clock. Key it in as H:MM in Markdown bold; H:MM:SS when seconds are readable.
**12:13:05**
